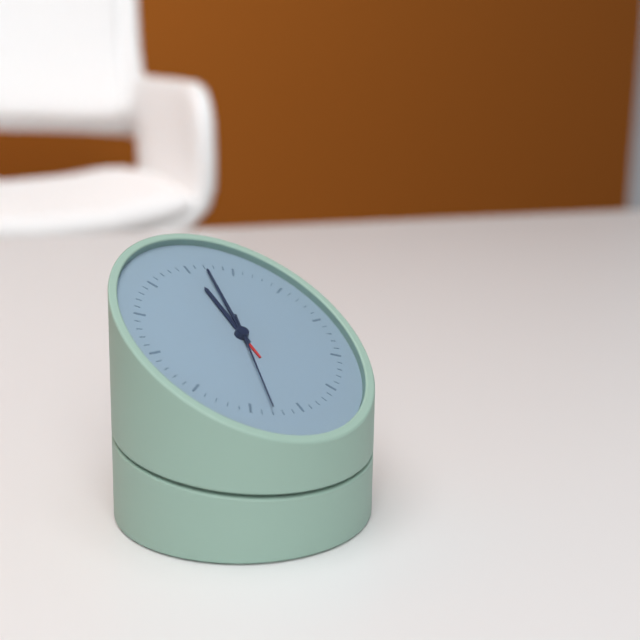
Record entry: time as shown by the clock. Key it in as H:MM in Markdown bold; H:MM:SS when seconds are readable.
**12:02:33**
